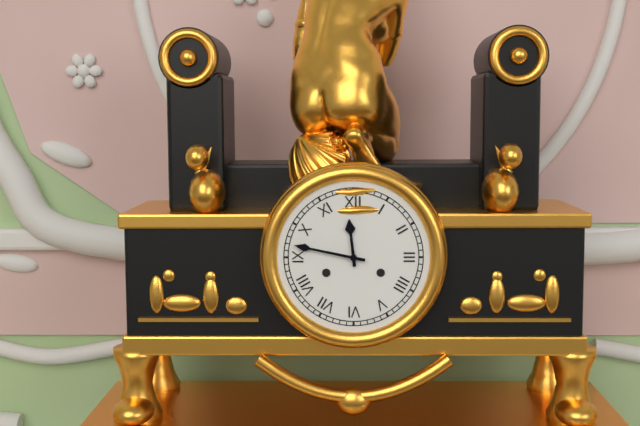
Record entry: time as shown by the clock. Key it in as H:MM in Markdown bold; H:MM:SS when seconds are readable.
**11:47**
